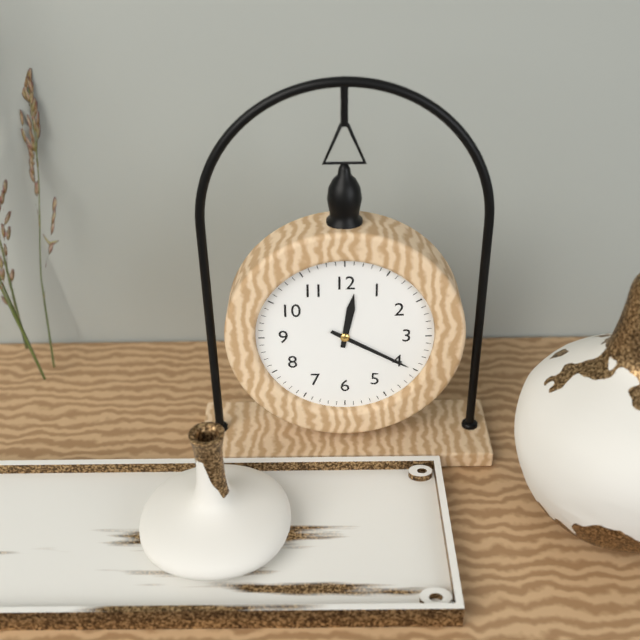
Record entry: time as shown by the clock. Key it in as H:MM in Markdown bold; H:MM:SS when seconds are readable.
**12:20**
